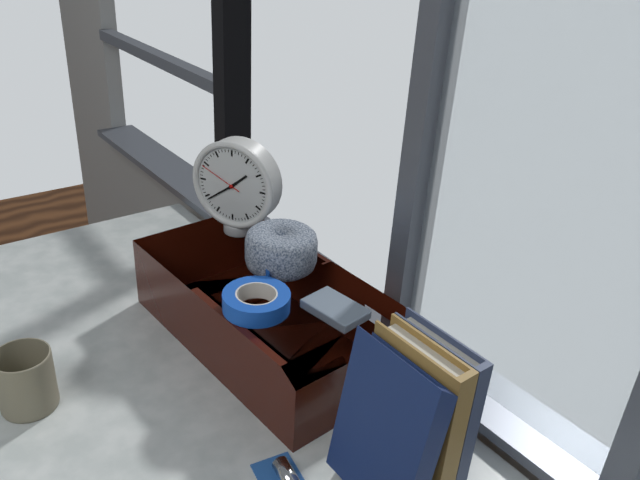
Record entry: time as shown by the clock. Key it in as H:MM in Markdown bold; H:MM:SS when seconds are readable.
**1:39**
